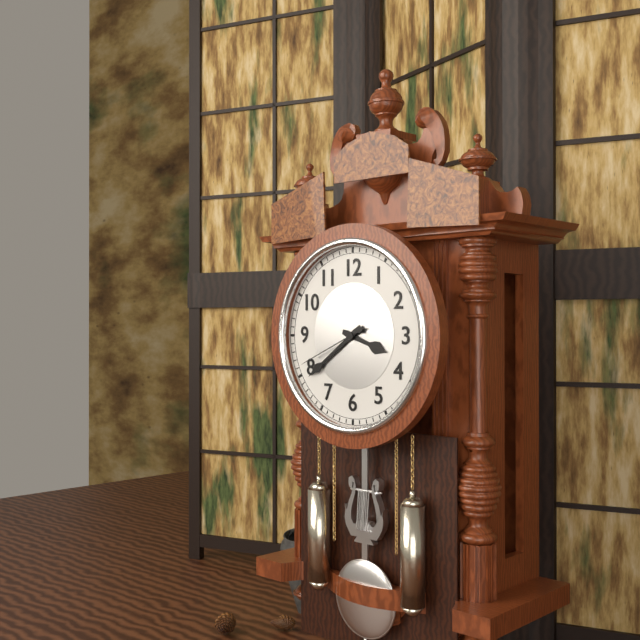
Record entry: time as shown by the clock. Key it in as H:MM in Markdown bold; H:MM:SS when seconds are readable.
**3:39:41**
